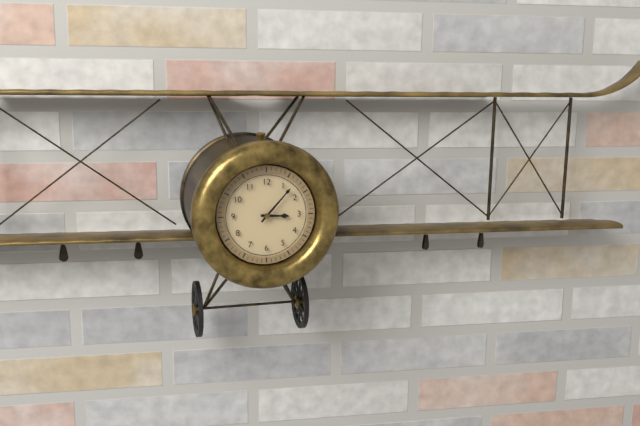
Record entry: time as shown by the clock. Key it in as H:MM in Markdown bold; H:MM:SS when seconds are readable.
**3:07**
